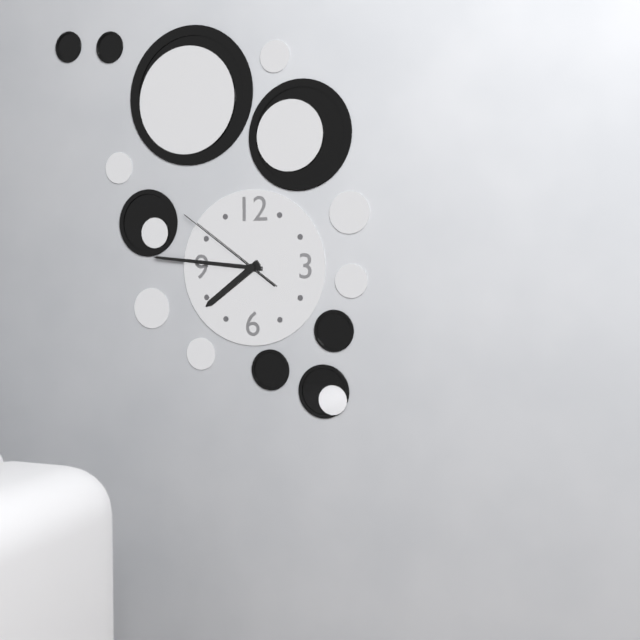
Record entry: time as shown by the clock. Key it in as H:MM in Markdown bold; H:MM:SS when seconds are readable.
**7:46:51**
